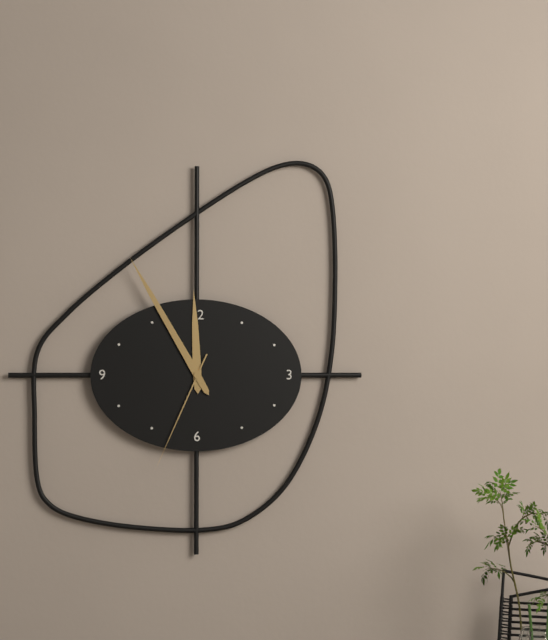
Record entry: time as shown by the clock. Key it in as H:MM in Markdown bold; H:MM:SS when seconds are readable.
**11:55:34**
